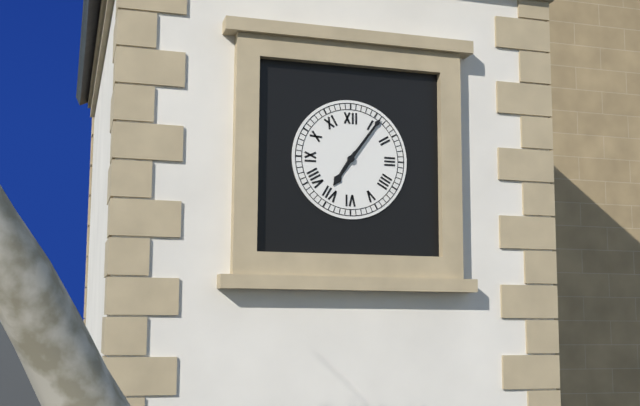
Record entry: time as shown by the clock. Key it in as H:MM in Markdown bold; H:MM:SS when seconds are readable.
**7:06**
